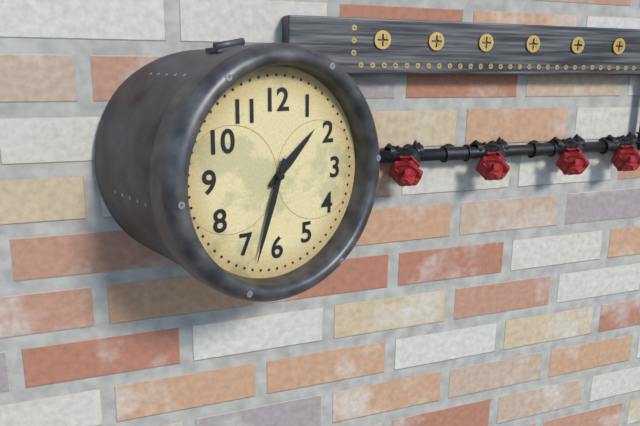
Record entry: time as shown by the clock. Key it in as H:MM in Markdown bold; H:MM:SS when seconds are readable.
**1:33**
